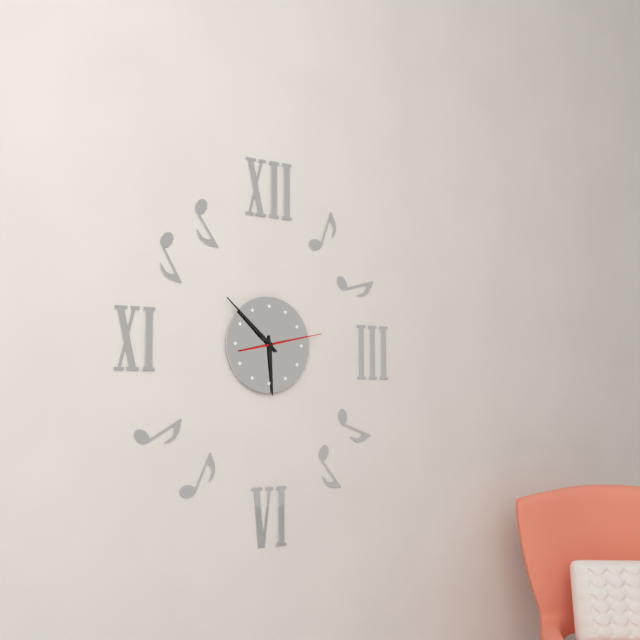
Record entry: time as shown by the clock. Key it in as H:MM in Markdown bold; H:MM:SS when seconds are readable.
**5:52:13**
